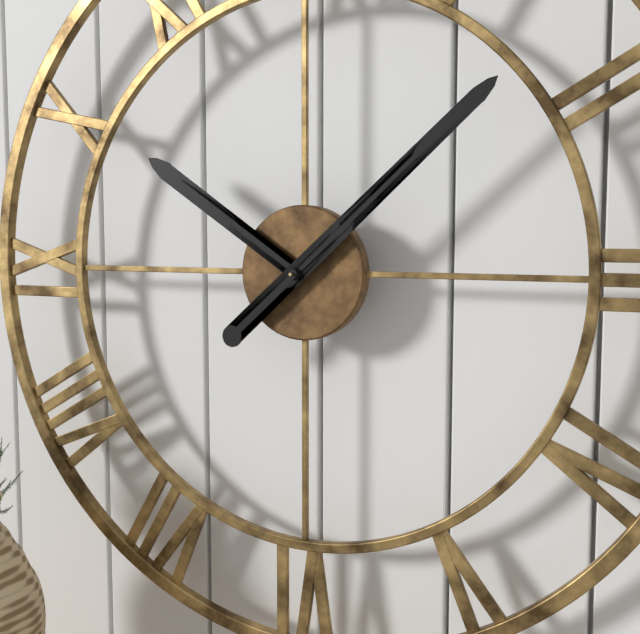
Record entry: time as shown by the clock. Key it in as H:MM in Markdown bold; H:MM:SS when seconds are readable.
**10:08**
